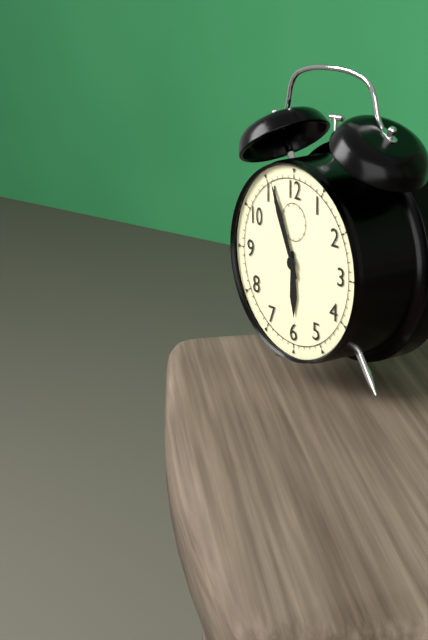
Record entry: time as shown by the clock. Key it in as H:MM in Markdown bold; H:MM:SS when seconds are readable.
**5:56**
